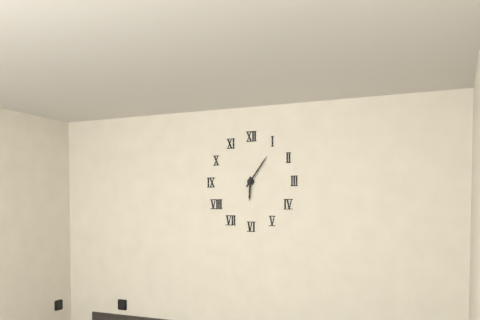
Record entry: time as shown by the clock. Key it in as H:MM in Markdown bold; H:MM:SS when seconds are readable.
**6:06**
